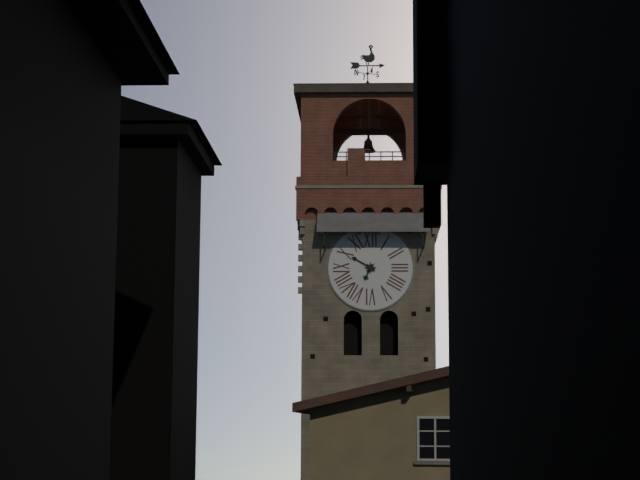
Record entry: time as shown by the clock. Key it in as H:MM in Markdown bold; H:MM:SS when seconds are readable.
**6:50**
